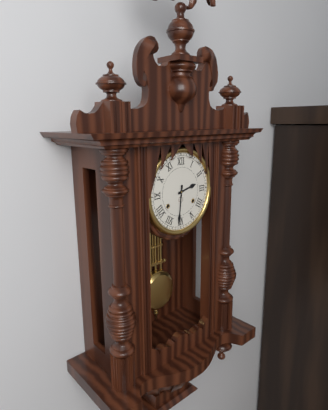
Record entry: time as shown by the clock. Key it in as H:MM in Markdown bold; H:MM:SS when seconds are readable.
**2:31**
